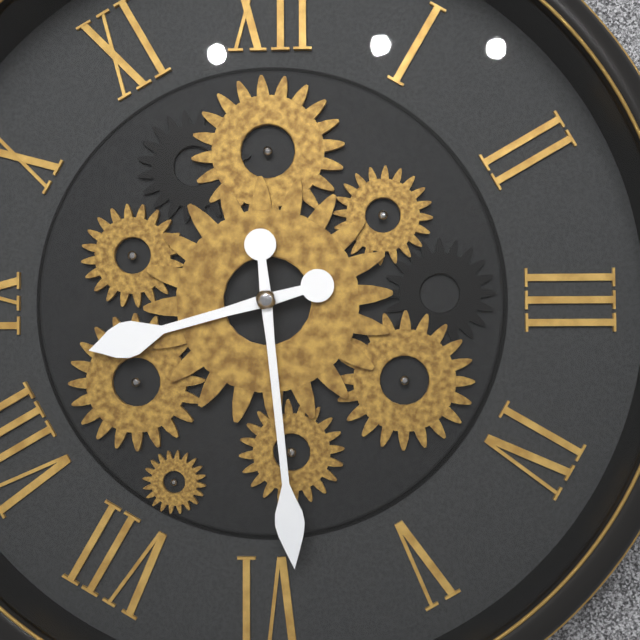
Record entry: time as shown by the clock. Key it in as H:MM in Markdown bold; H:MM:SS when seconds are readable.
**8:29**
